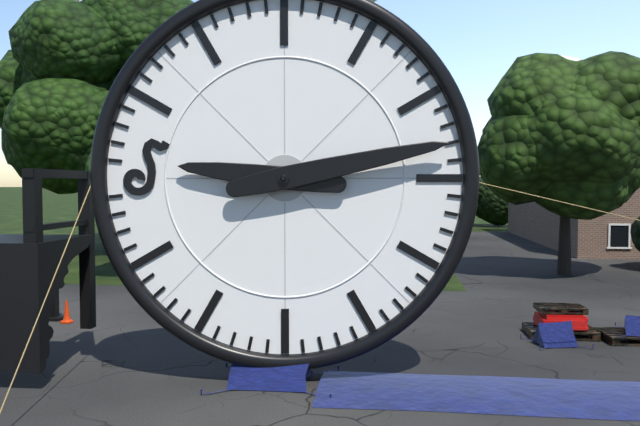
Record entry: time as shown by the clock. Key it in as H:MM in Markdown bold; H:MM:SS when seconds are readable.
**9:13**
